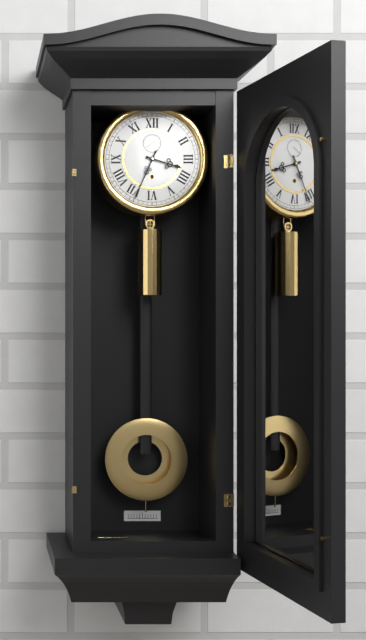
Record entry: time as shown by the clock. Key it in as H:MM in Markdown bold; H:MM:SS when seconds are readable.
**3:34**
